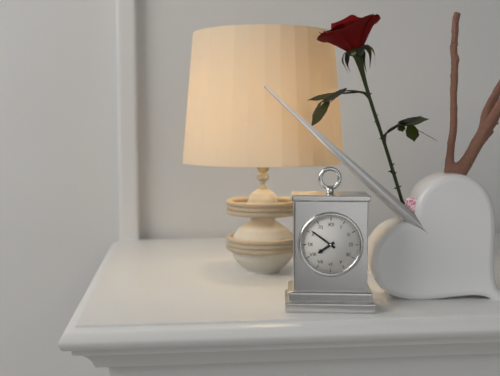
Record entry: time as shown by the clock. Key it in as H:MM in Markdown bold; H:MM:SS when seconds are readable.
**7:51**
